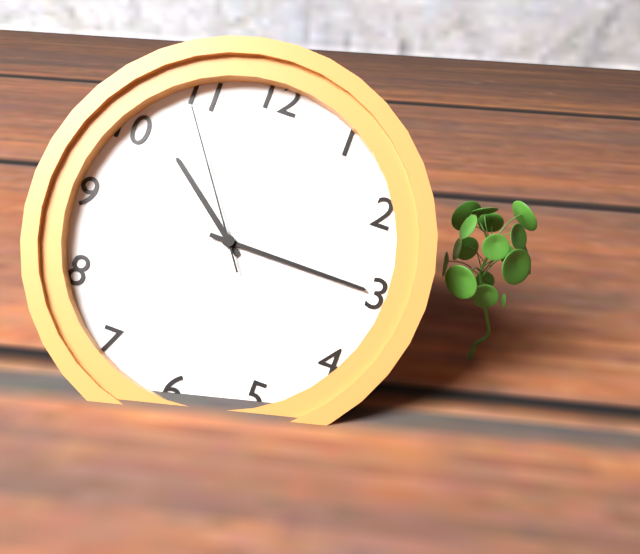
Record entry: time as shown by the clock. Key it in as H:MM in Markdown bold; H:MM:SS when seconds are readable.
**10:15:54**
